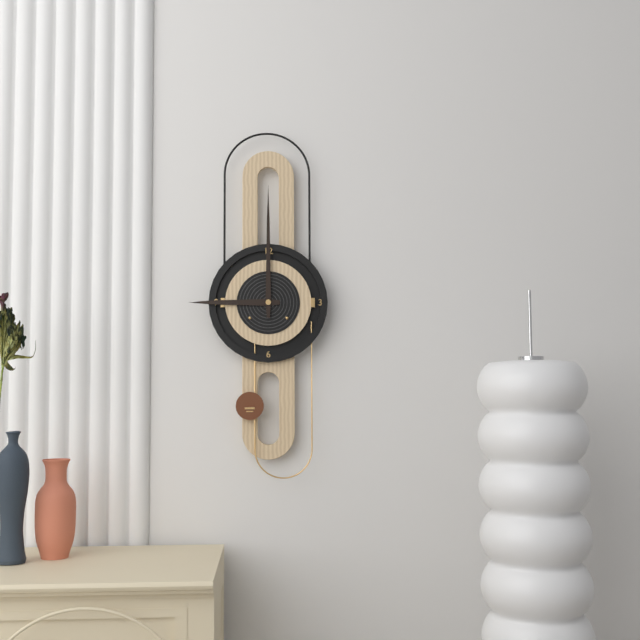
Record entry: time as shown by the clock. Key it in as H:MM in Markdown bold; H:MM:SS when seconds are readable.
**9:00**
